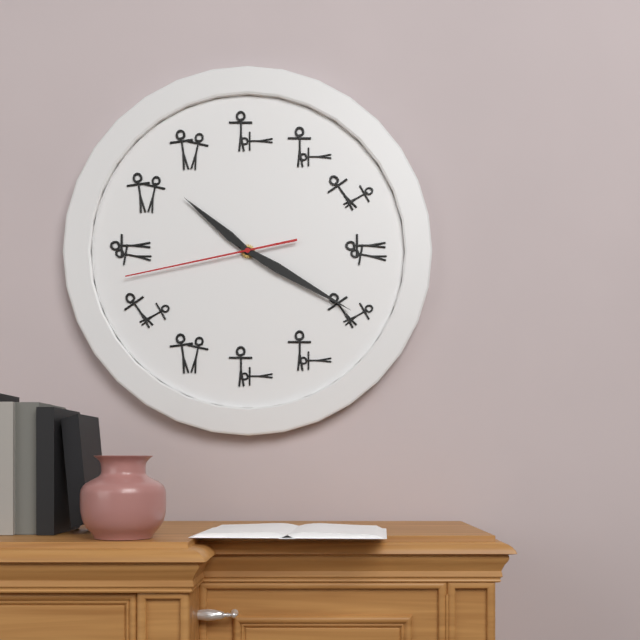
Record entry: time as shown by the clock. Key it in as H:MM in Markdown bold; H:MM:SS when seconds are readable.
**10:20:43**
